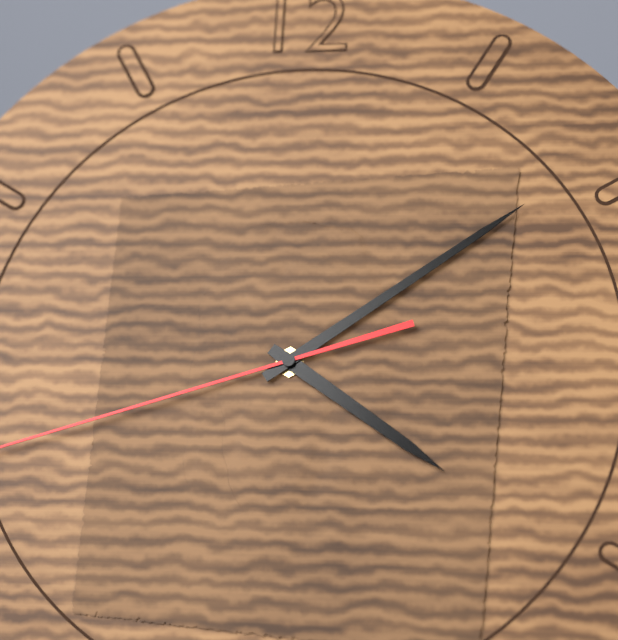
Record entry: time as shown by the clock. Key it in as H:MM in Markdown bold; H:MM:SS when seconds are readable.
**4:09**
